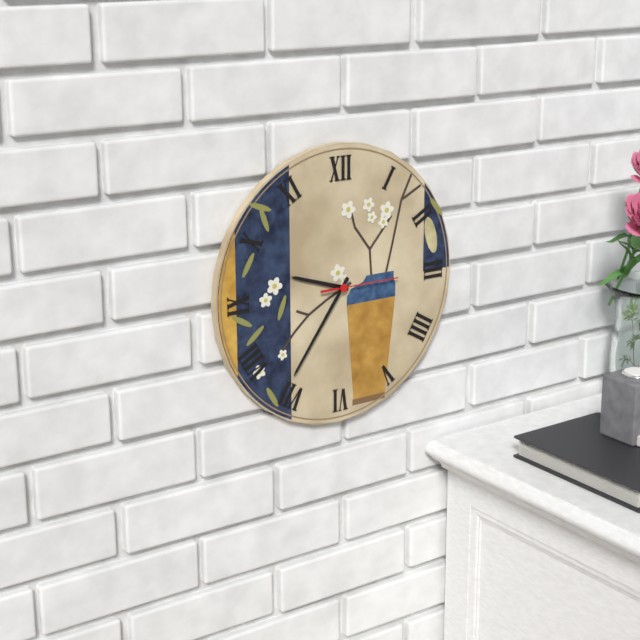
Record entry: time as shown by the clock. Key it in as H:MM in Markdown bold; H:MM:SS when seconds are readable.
**9:36:15**
